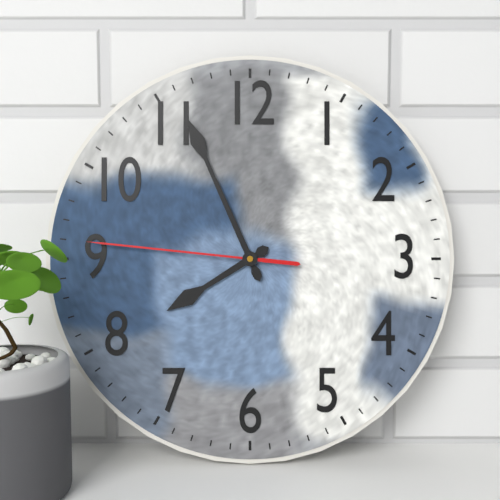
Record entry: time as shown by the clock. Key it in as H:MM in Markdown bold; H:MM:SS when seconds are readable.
**7:56:46**
